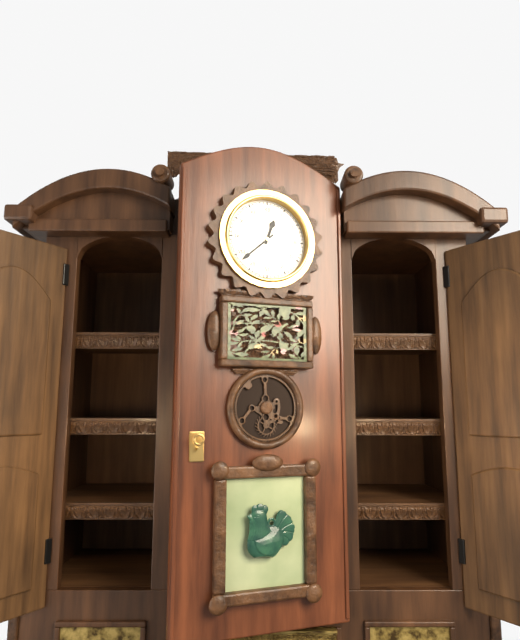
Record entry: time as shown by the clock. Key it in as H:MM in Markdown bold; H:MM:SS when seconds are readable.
**12:38**
